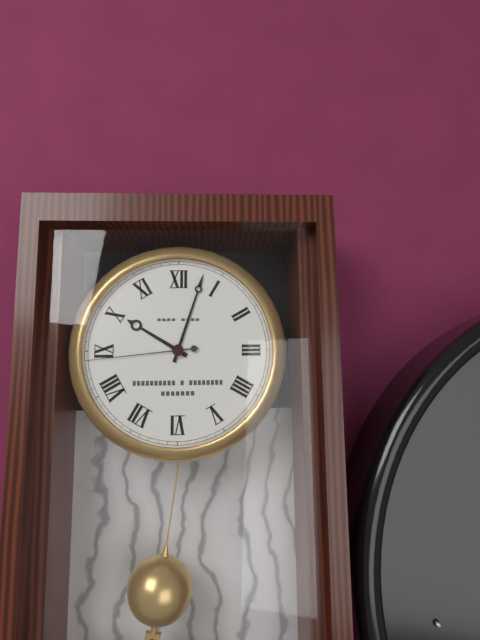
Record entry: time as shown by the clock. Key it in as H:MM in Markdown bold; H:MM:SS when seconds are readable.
**10:03:44**
